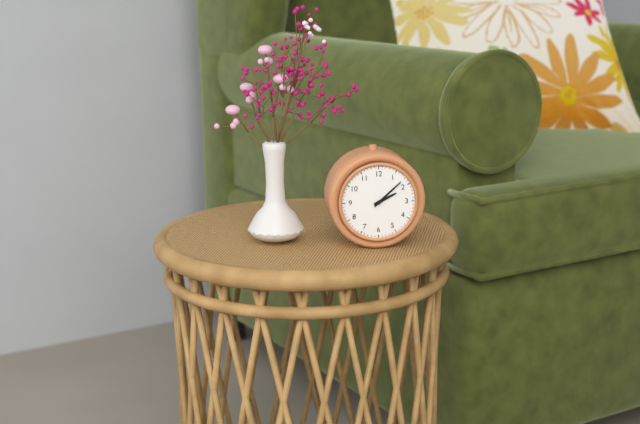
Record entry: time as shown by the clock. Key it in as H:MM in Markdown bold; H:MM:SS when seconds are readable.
**2:08**
